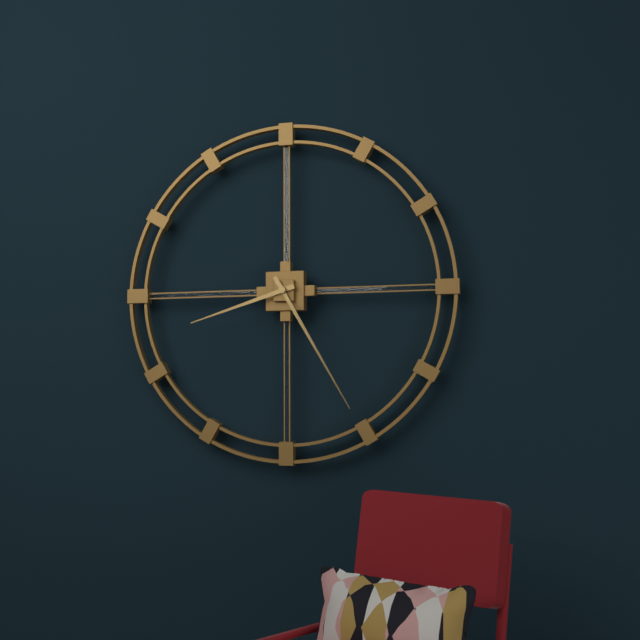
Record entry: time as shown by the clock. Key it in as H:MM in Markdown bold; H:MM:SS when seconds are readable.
**8:25**
